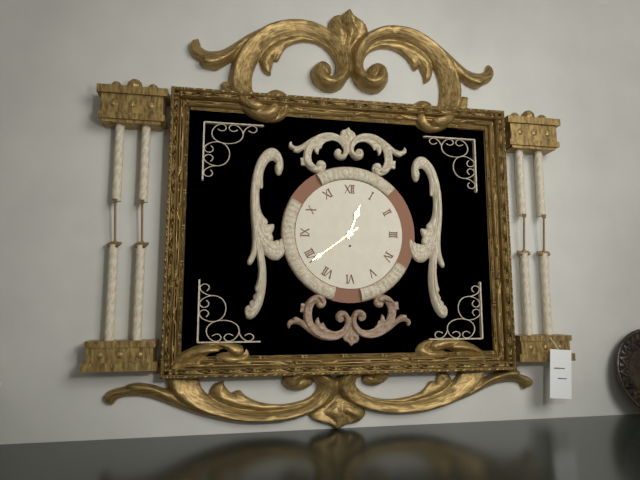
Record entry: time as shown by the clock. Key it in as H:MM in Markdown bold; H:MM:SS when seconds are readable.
**12:39**
